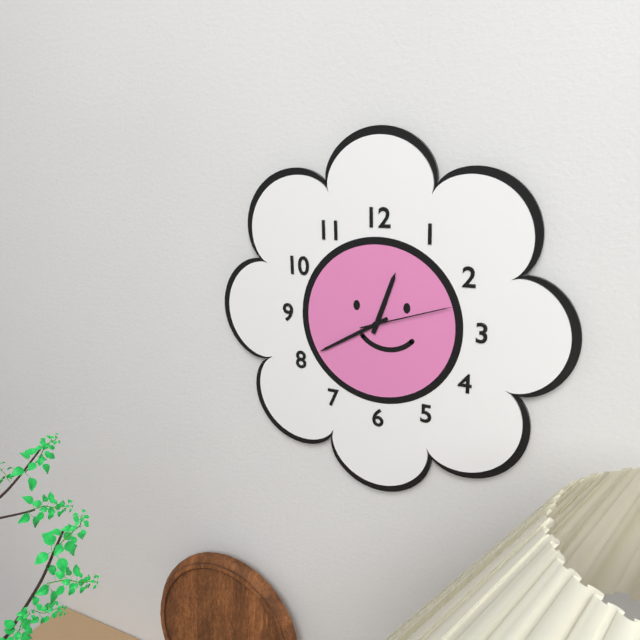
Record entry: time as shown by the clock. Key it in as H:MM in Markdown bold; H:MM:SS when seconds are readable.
**12:40:12**
